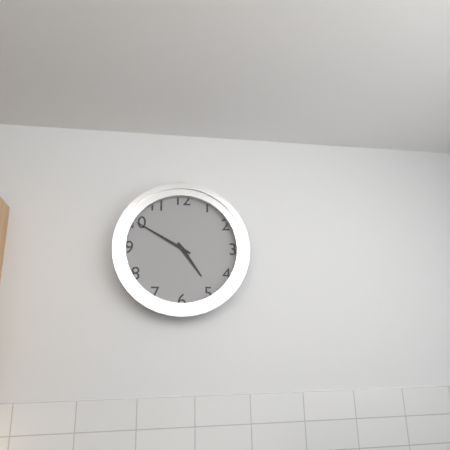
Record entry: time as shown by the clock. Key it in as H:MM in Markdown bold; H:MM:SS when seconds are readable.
**4:50**
